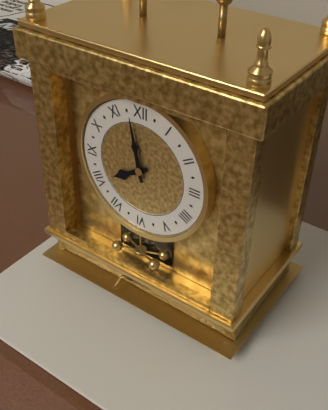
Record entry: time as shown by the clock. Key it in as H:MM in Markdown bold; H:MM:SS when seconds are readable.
**7:58**
